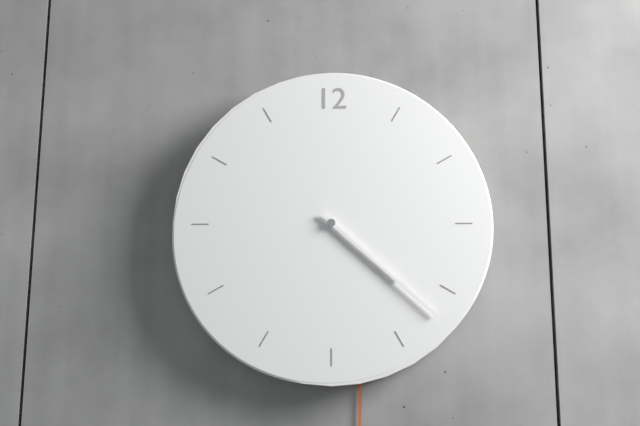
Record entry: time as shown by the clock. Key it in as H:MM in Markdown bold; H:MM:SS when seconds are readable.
**4:22**
